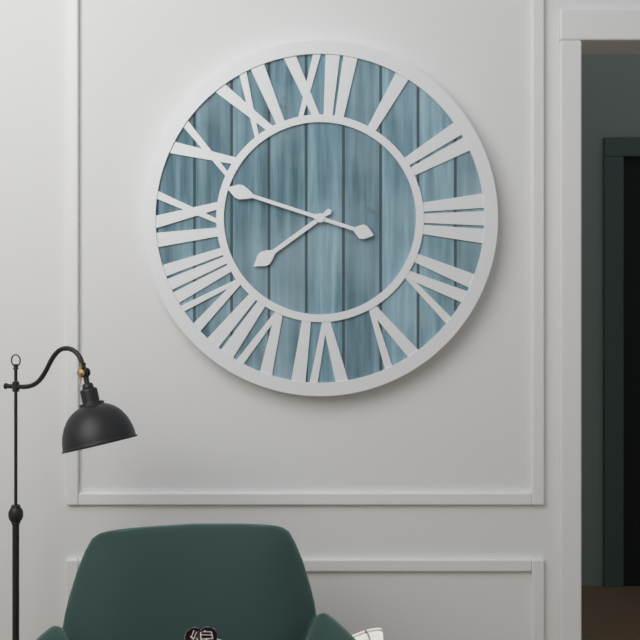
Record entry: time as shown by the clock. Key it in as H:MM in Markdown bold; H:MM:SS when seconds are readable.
**7:48**
